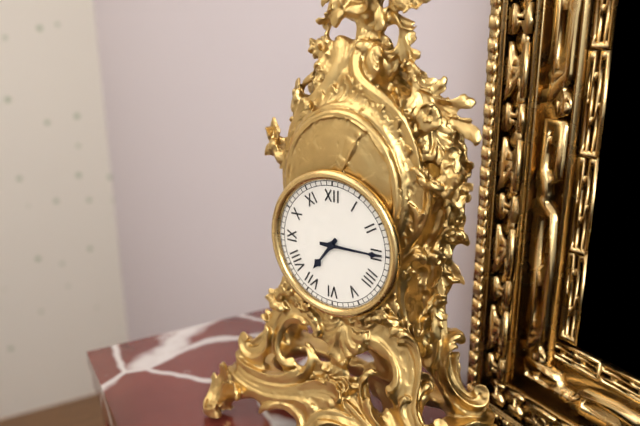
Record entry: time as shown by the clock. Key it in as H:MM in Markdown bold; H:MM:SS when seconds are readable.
**7:15**
